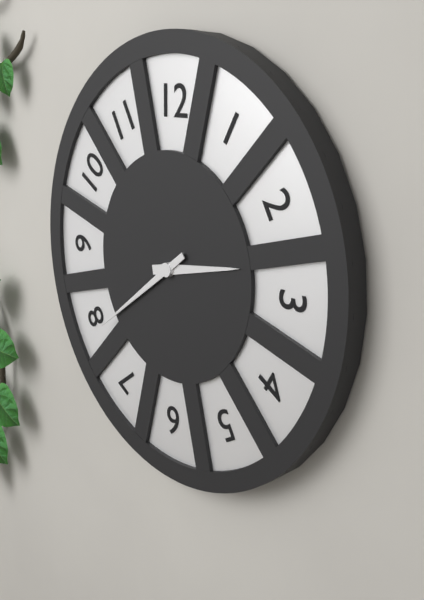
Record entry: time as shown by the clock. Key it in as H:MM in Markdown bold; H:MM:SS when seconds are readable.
**2:39**
